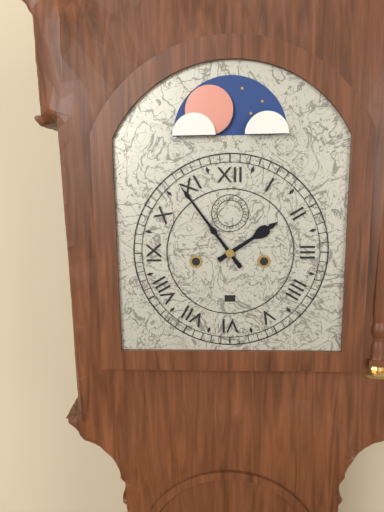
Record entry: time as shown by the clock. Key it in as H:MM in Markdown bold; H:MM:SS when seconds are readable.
**1:54**
